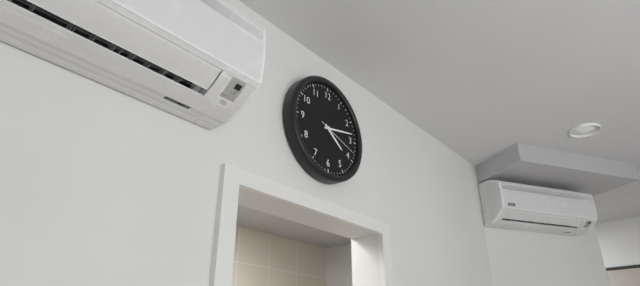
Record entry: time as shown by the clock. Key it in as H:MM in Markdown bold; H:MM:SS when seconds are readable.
**4:13:18**
